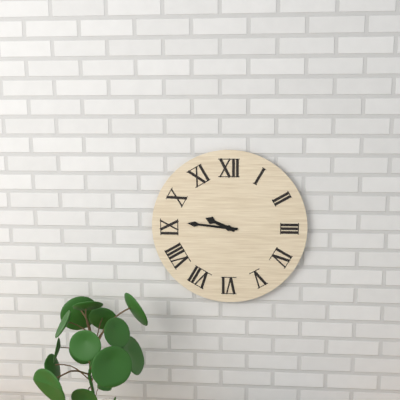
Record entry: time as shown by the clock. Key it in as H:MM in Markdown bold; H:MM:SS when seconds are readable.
**9:46**
